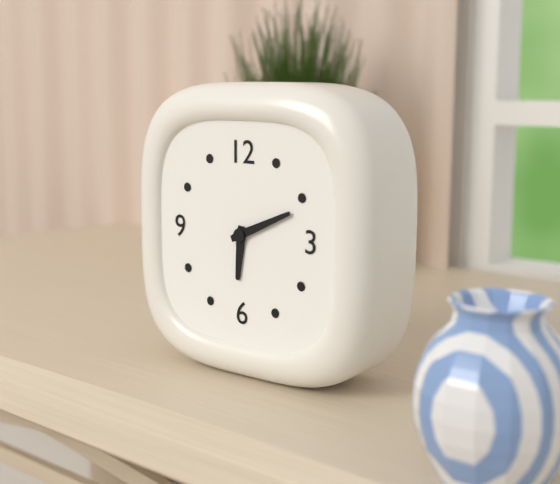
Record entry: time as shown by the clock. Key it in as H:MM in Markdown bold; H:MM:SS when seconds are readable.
**6:11**
